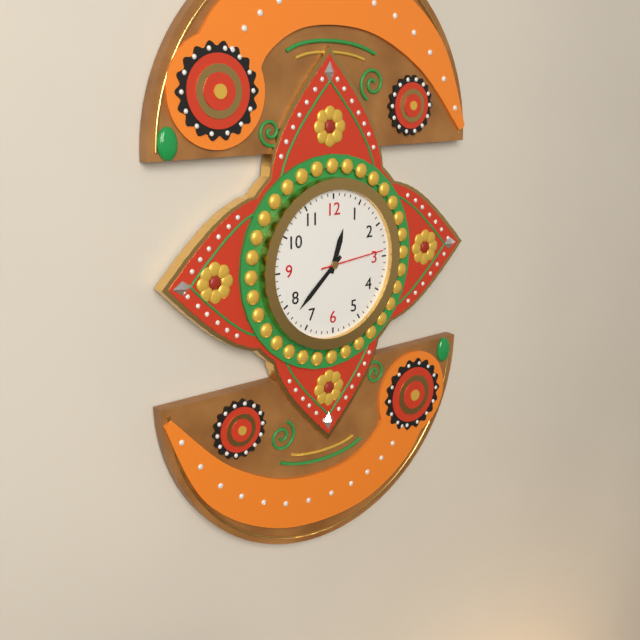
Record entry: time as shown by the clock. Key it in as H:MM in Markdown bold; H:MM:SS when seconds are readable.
**12:38:14**
